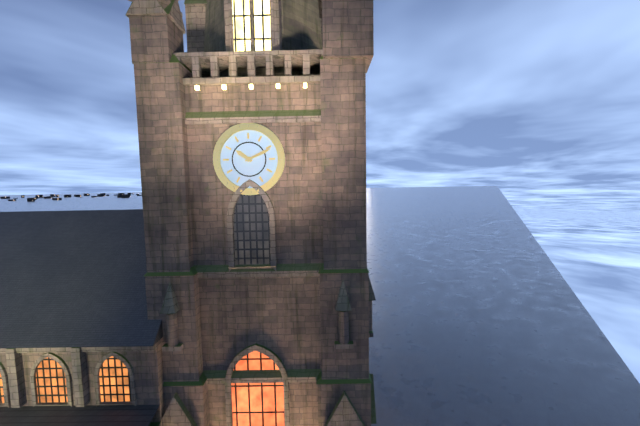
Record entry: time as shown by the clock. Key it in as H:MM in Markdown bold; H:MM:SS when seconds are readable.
**10:11**
